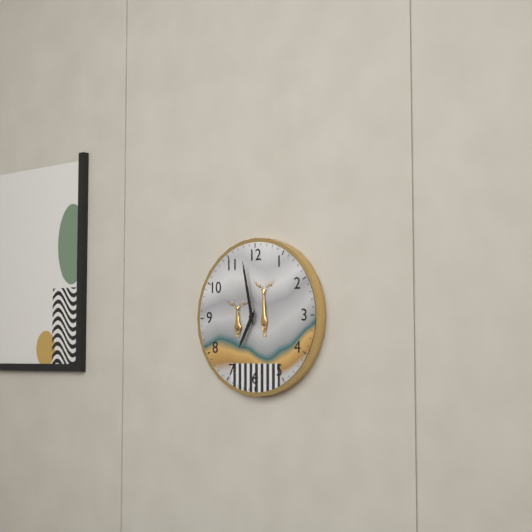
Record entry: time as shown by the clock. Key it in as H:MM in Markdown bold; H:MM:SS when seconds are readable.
**6:58**
